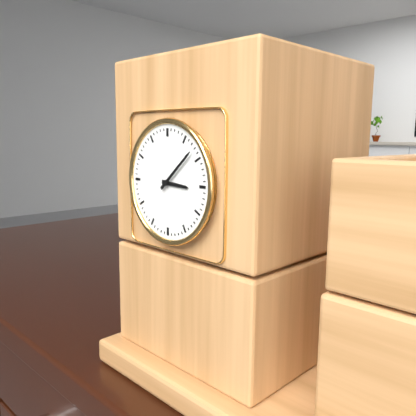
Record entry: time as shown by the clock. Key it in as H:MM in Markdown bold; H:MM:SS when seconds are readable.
**3:08**
